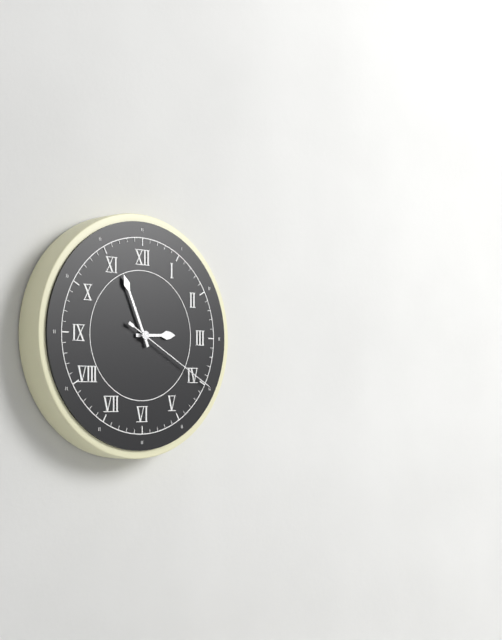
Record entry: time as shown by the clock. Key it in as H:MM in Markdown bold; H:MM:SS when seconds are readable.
**2:56:20**
